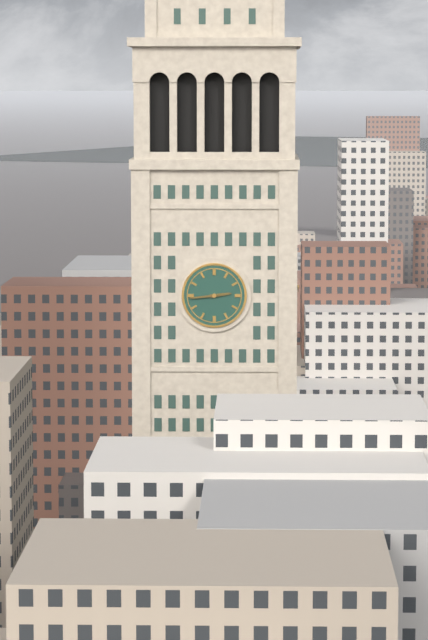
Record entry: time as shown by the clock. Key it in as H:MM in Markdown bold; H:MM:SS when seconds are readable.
**2:44**
